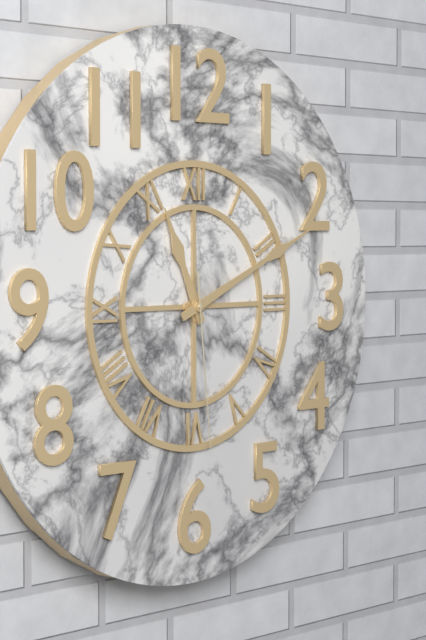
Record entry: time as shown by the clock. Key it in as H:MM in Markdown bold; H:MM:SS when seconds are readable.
**11:11:29**
